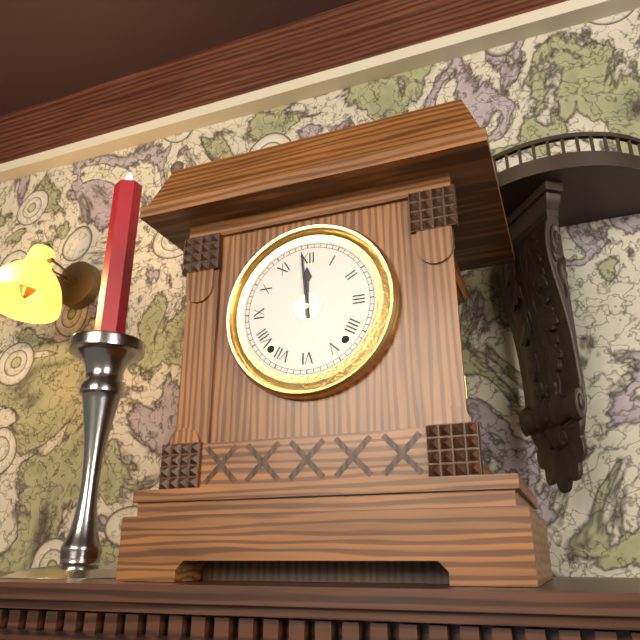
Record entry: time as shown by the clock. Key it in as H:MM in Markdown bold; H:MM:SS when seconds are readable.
**11:59**
